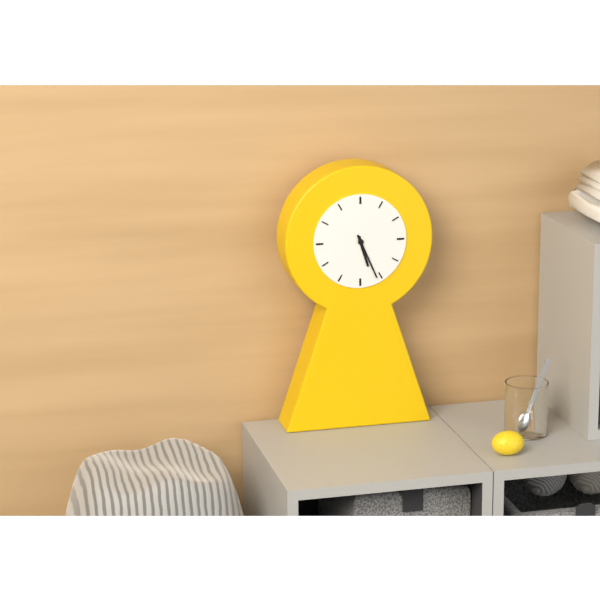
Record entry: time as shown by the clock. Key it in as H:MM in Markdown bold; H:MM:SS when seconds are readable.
**5:26**
